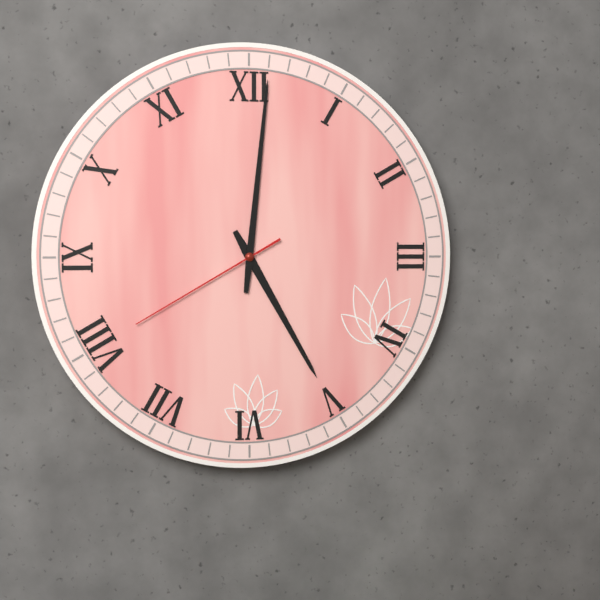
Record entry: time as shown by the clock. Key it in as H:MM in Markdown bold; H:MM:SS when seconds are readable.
**5:01:40**
